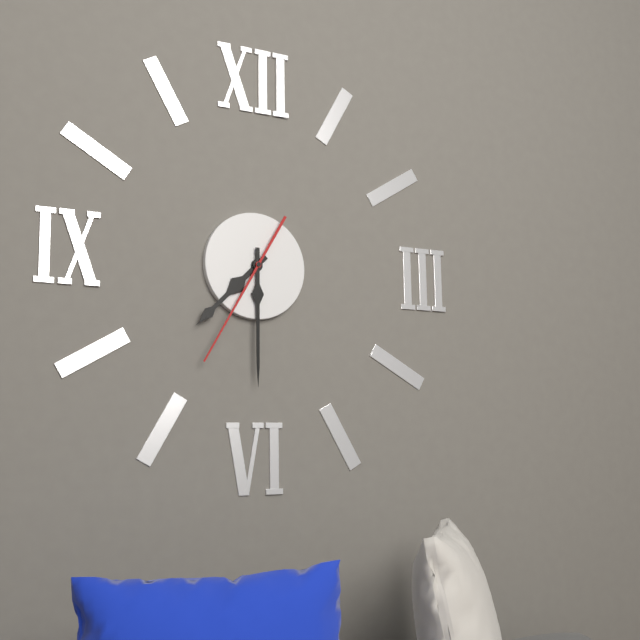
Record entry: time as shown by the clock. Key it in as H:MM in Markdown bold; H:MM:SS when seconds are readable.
**7:30:35**
